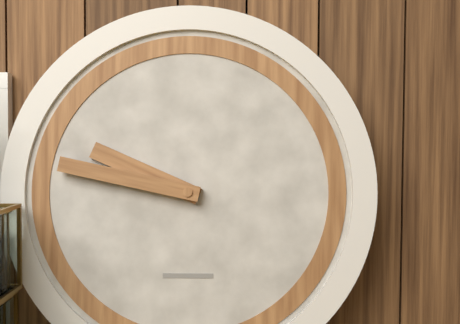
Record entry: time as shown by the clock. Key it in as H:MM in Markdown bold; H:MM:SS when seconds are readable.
**9:47**
